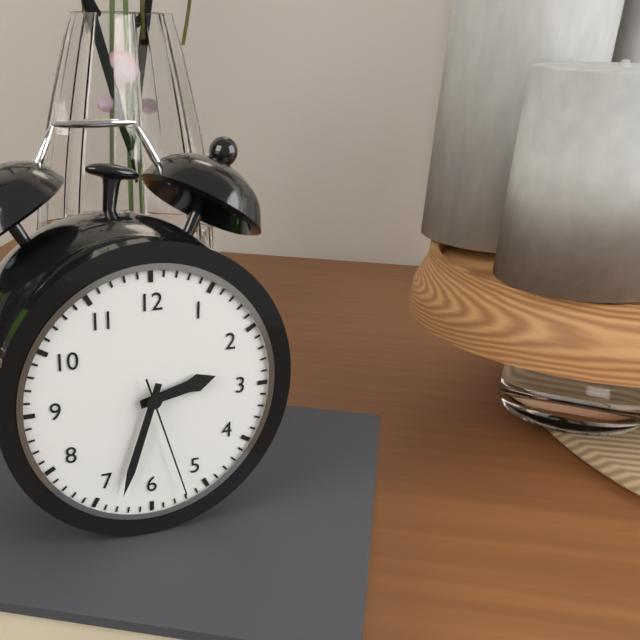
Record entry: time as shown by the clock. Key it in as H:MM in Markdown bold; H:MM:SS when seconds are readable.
**2:33:27**
